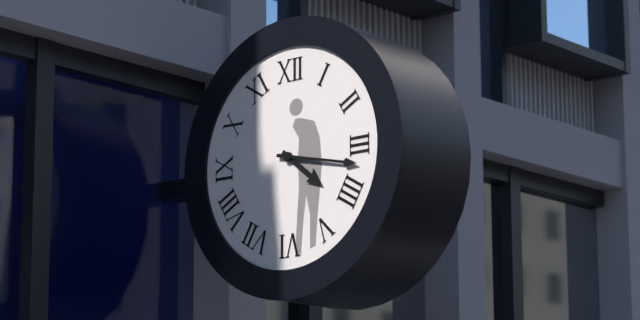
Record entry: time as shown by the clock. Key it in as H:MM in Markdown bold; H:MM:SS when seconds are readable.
**4:17**
